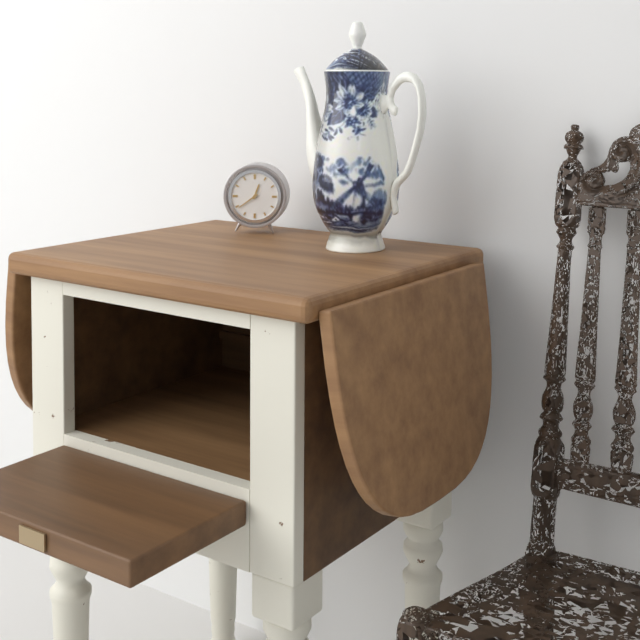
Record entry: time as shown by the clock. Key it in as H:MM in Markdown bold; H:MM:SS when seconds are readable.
**12:39**
